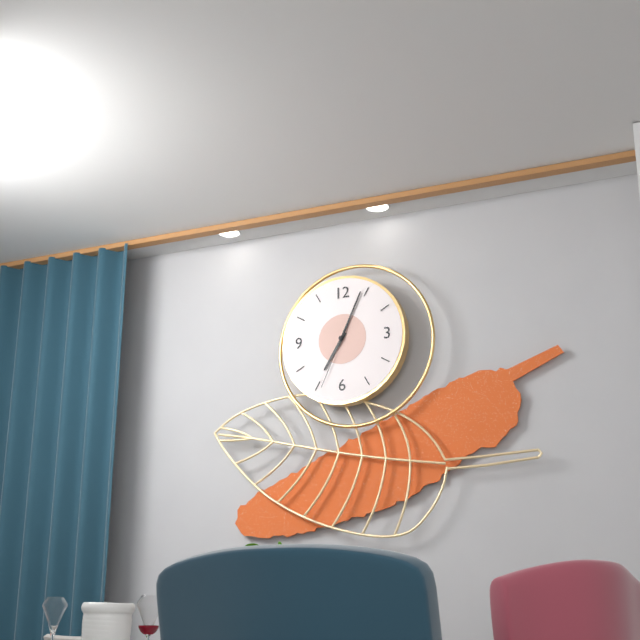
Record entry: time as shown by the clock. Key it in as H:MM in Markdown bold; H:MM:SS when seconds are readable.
**7:04:34**
